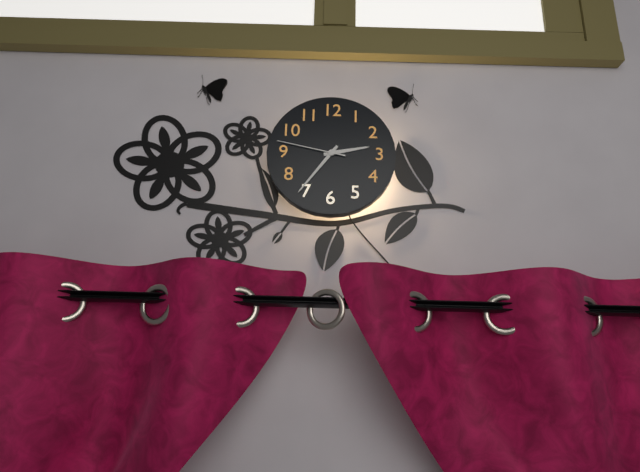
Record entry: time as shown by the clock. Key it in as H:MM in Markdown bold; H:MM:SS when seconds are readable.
**2:36:47**
